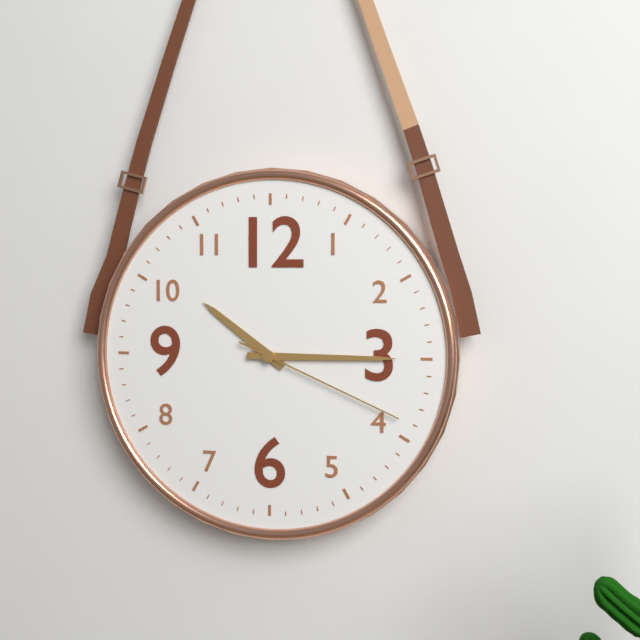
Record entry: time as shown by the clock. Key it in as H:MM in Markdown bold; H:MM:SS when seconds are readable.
**10:15:19**
